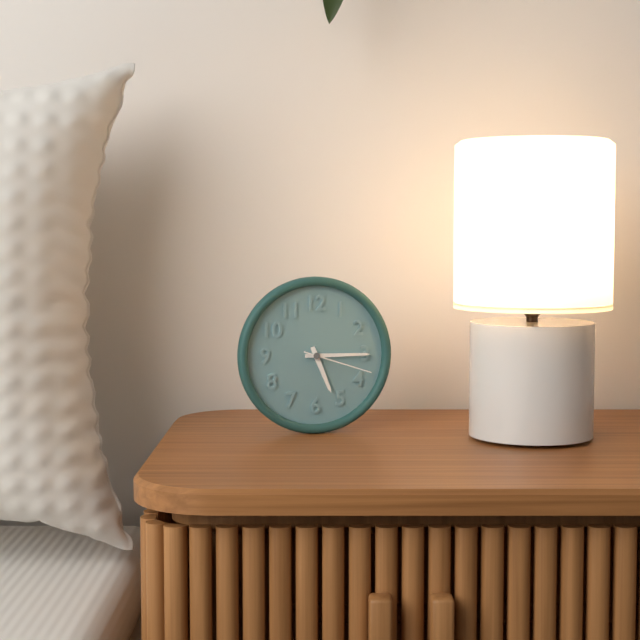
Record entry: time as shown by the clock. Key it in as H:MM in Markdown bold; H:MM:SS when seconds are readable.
**5:15:18**
